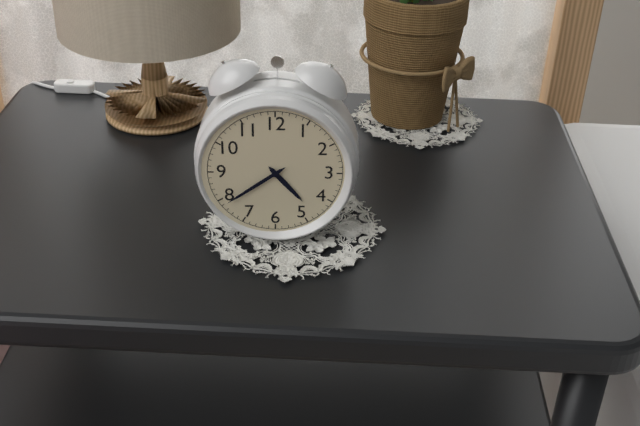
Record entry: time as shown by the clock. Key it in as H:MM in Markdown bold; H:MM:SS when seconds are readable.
**4:39**
